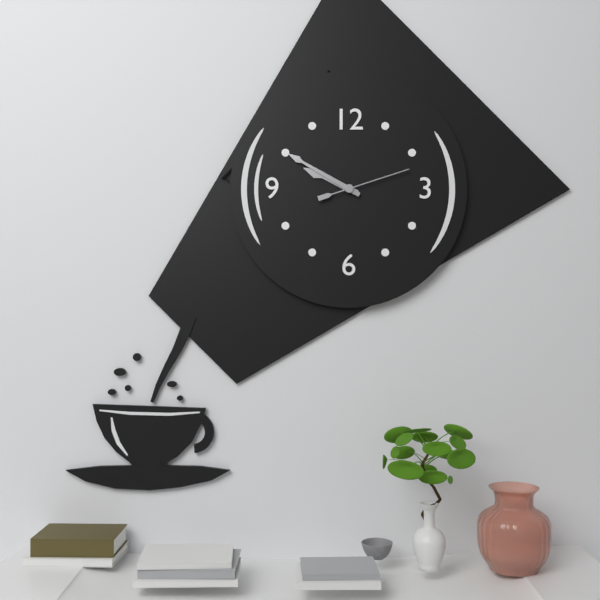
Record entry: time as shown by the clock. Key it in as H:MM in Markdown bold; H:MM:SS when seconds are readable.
**9:50:12**
